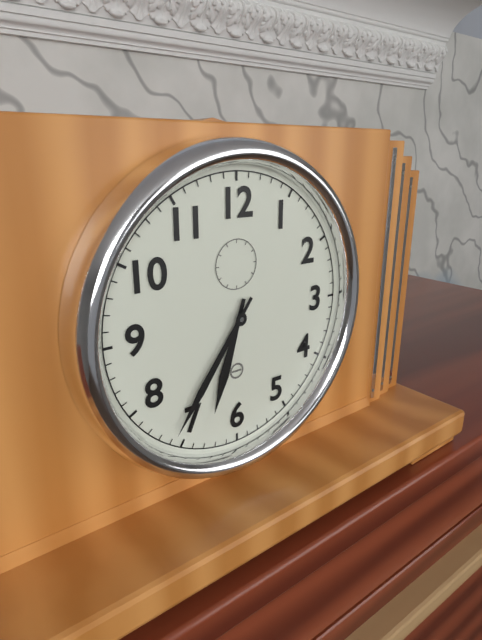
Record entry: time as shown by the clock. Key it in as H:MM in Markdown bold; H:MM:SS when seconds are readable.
**6:36**
